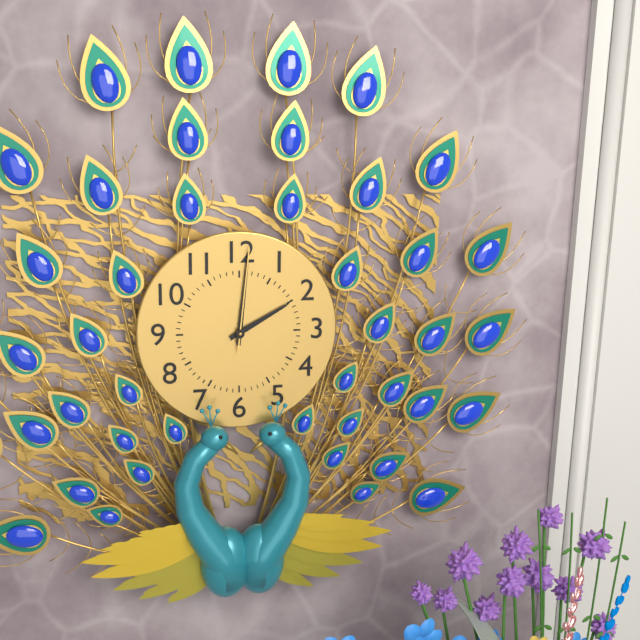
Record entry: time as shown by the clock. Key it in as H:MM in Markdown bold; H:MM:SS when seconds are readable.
**2:01:01**
